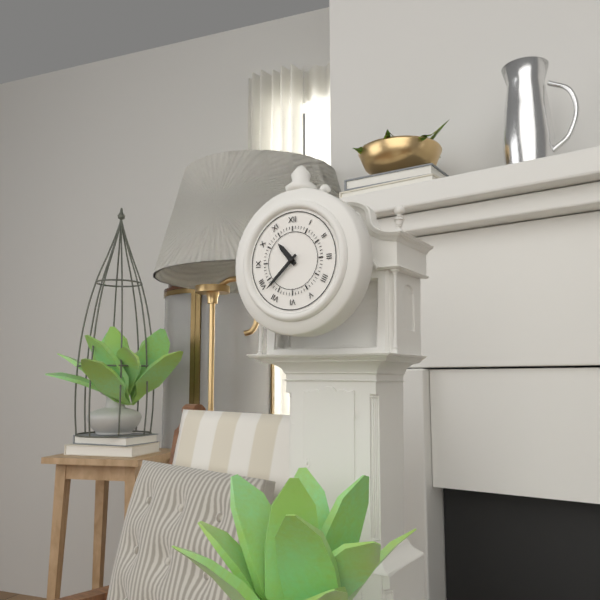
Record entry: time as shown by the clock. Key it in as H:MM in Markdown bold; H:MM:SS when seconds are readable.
**10:38**
